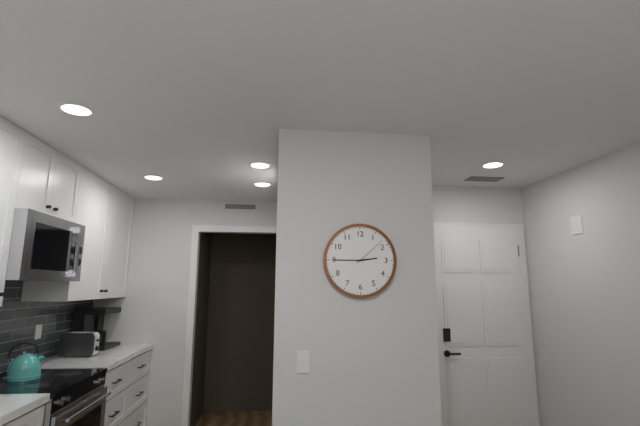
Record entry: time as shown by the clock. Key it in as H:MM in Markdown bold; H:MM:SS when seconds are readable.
**2:45**
